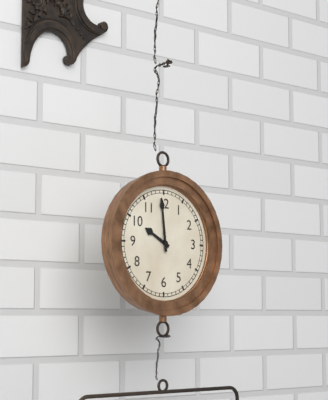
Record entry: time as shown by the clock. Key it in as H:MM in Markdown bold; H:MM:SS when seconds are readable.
**9:59**
